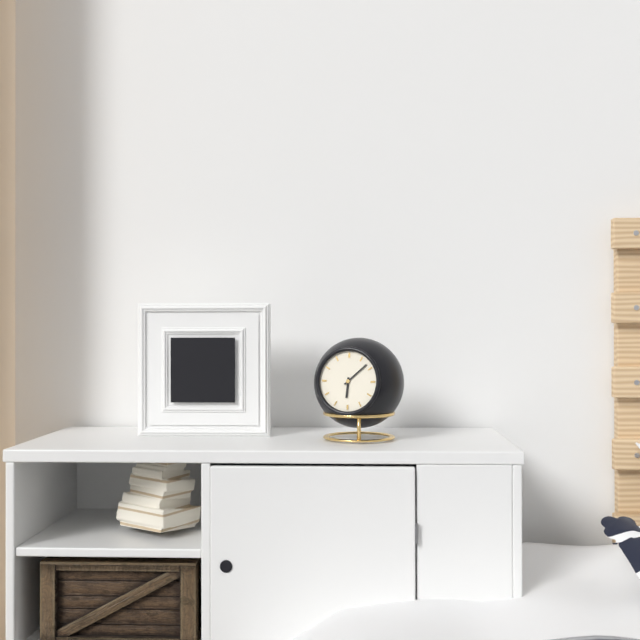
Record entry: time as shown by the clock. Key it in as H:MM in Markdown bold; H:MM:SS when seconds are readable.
**6:08**
